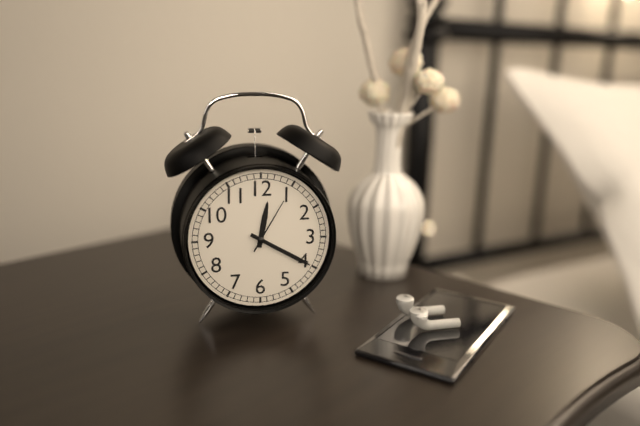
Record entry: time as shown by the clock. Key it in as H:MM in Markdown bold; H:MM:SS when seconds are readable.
**12:20:05**
